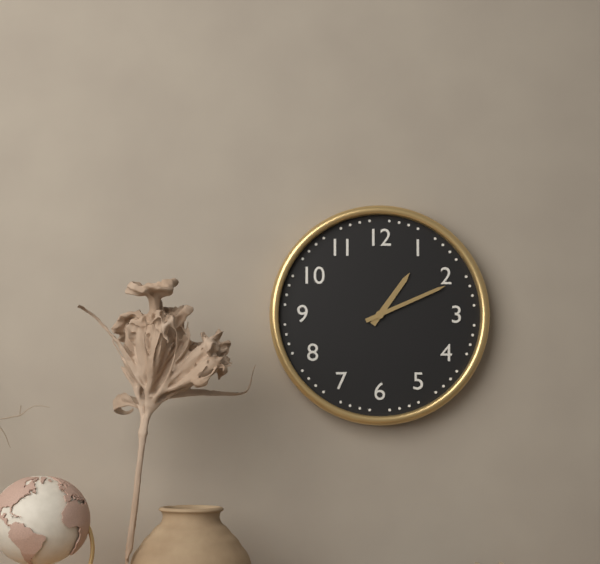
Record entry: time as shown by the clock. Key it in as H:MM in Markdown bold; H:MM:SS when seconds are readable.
**1:11**
